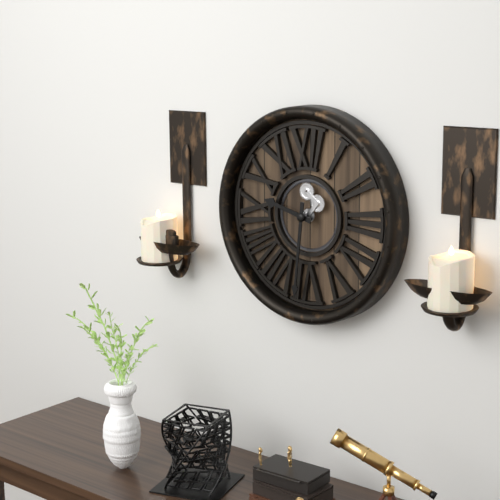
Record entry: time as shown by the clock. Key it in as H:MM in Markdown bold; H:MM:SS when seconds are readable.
**9:31**
